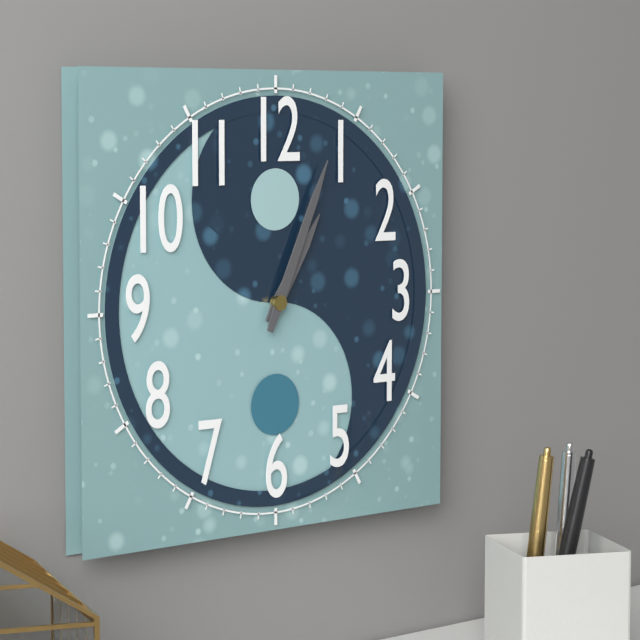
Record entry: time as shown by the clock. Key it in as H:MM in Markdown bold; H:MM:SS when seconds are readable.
**1:04**
